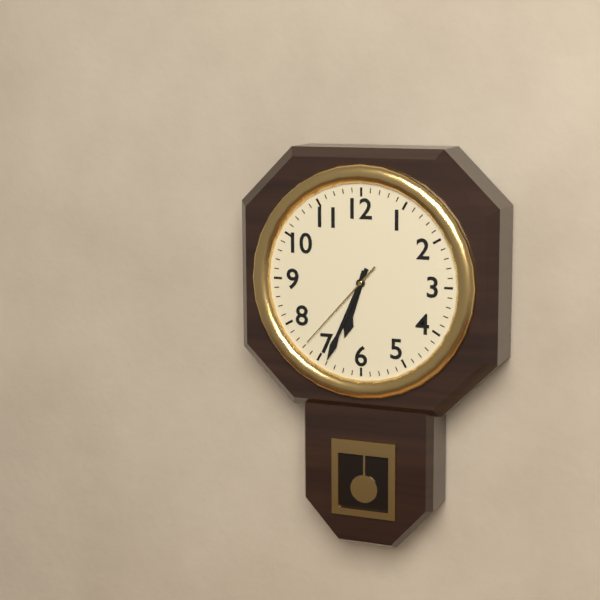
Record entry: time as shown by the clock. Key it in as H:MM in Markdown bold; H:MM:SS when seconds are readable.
**6:34:37**
